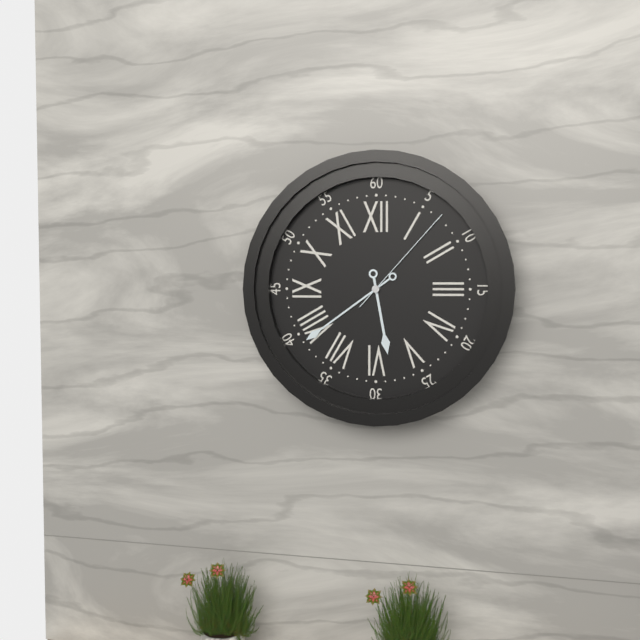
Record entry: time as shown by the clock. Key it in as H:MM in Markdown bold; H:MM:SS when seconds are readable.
**5:39:07**
